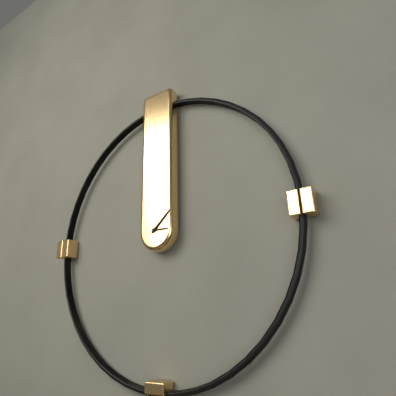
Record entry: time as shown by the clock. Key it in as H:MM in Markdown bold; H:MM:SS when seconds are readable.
**3:08**
